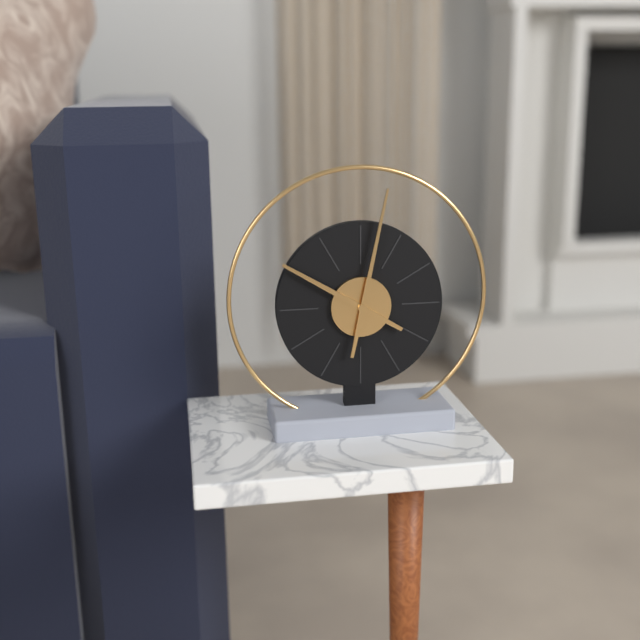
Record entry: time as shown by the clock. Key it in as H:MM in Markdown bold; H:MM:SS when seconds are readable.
**10:02**
